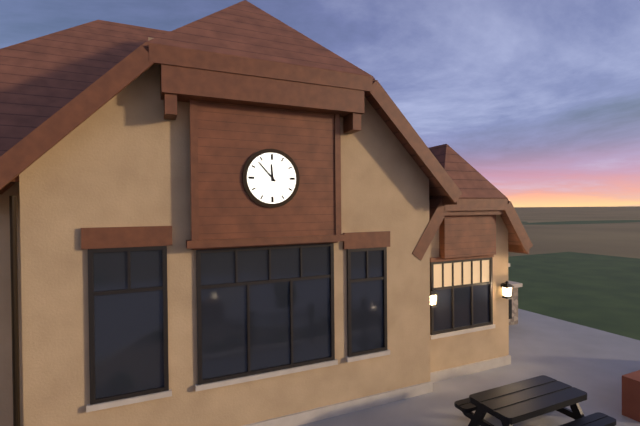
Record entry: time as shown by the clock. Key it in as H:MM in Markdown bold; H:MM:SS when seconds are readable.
**11:53**
